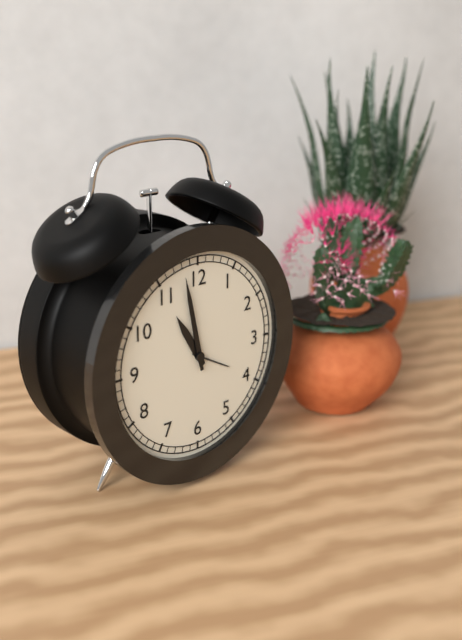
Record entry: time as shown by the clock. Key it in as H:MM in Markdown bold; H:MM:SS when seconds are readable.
**10:58**
